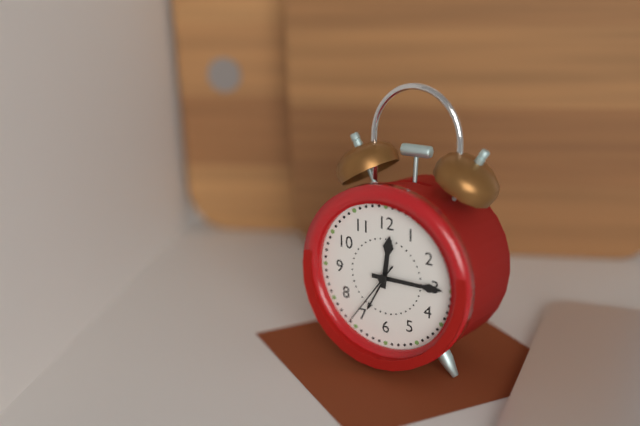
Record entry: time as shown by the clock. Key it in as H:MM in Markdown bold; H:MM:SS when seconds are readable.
**12:15:36**
